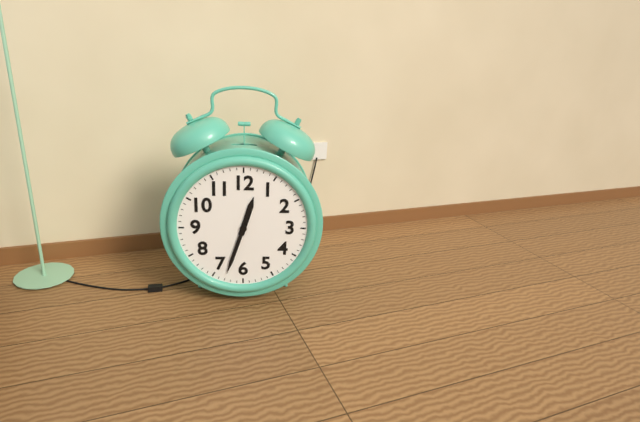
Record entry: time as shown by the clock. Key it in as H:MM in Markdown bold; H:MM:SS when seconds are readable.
**12:33**
